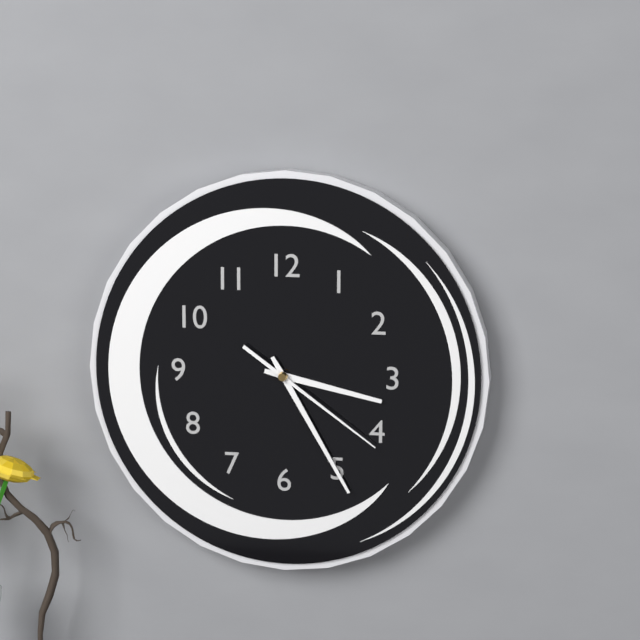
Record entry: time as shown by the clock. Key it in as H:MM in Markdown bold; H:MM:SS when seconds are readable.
**3:25:21**
